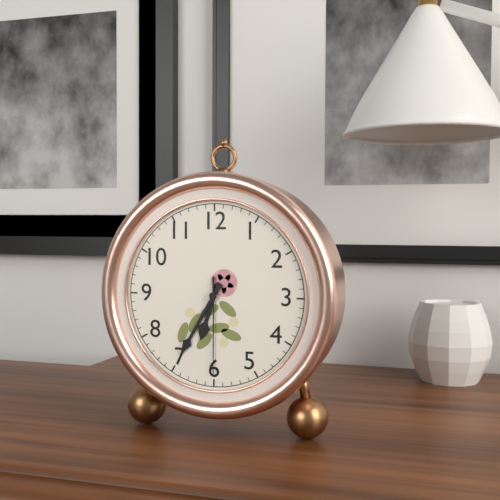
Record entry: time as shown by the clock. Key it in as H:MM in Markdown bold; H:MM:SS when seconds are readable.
**6:35:30**
